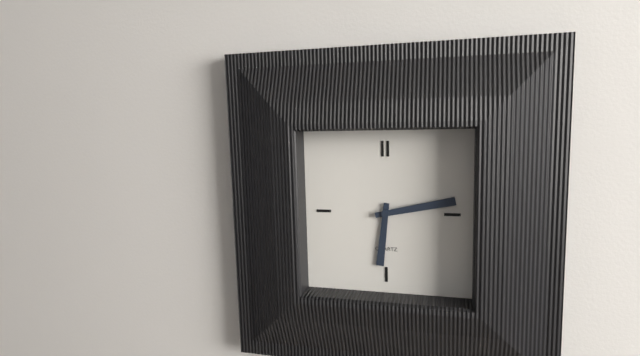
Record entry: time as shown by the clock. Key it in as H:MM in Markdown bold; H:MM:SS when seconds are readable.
**6:13**
